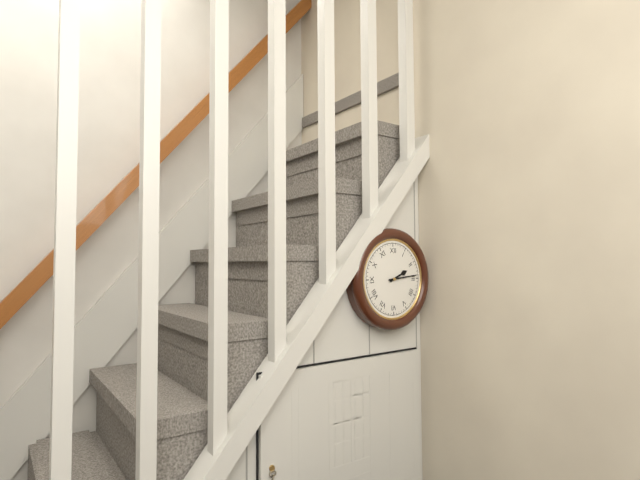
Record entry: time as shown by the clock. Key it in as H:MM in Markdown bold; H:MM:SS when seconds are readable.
**2:14**
